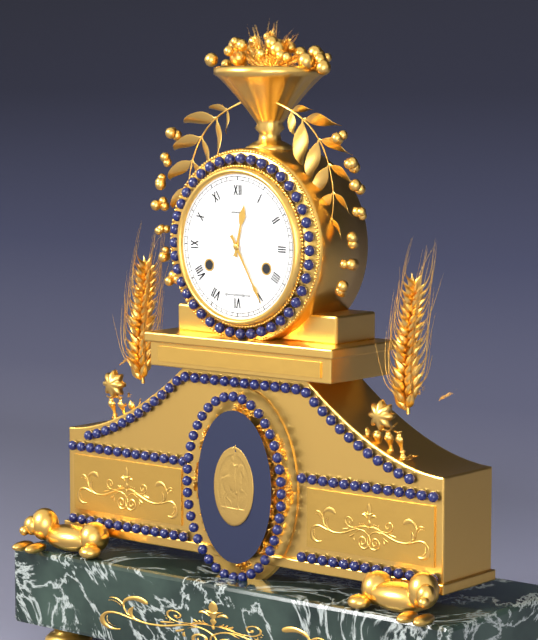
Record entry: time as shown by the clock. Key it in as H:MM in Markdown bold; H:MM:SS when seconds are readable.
**12:25**
